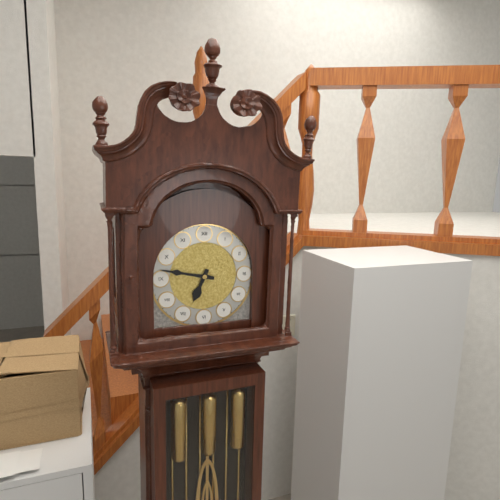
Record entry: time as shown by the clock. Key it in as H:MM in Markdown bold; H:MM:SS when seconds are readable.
**6:47**
